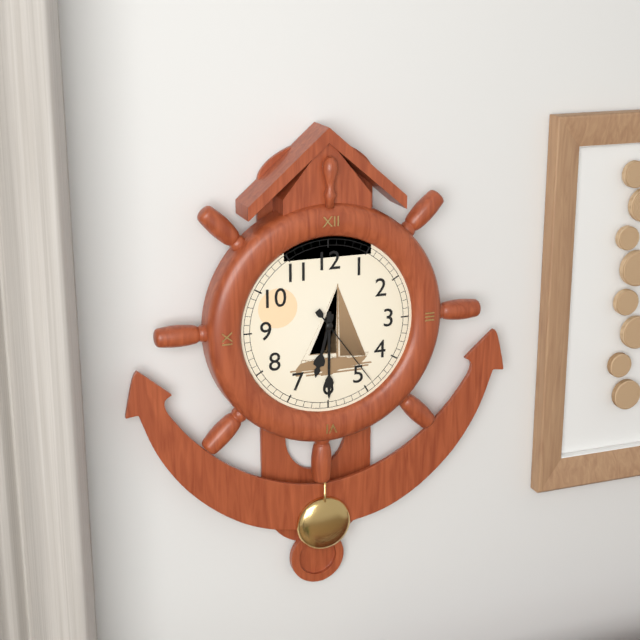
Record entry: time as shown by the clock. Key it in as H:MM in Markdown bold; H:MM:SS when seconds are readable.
**6:30:24**
